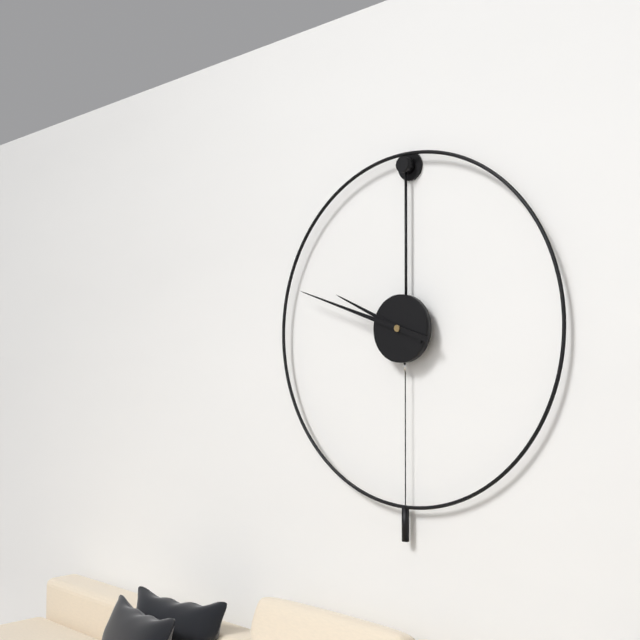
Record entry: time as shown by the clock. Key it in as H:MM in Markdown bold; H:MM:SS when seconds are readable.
**9:48**
